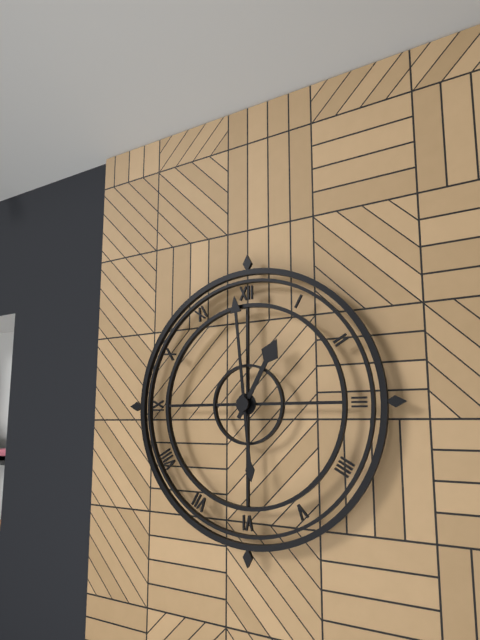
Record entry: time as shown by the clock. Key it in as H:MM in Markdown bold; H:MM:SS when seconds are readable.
**12:59**
